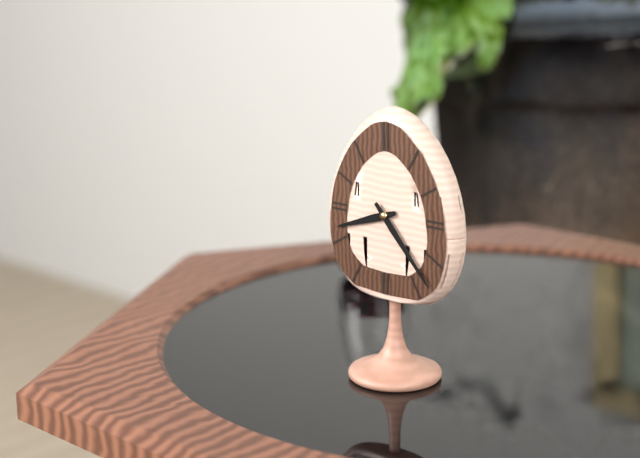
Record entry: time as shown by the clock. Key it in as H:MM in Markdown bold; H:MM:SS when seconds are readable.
**8:23**
